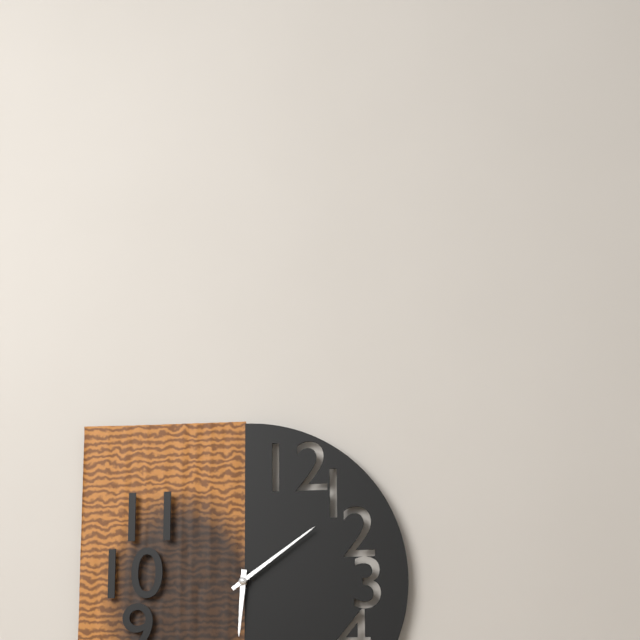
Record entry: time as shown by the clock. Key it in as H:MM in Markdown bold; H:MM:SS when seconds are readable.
**6:09**
